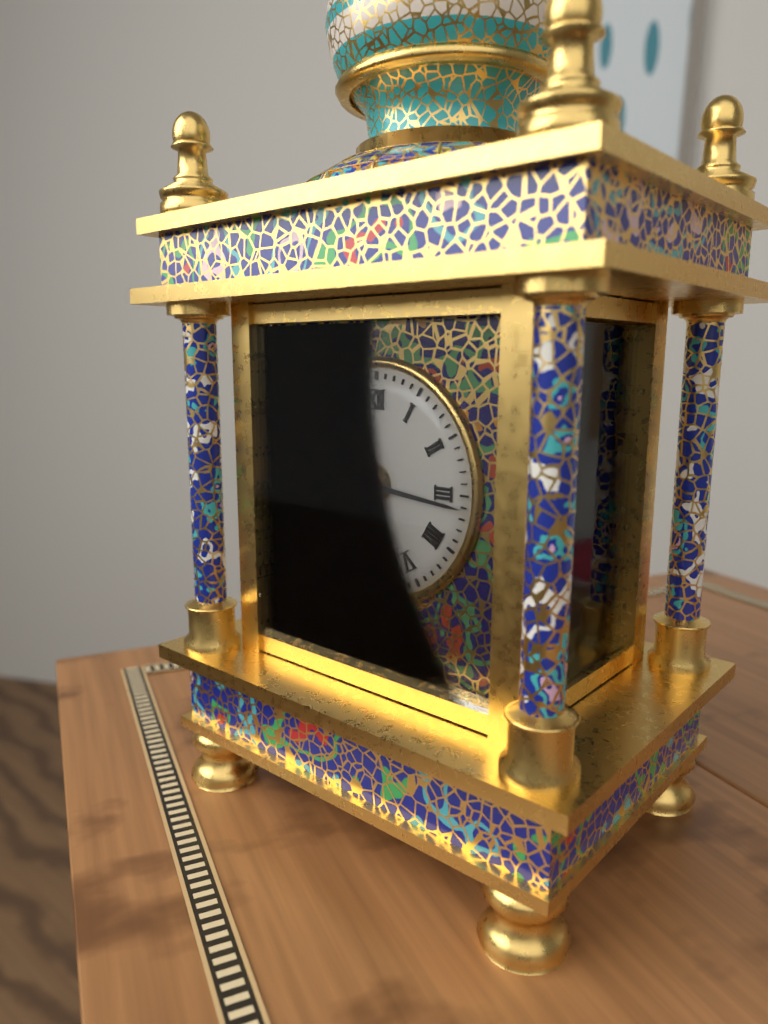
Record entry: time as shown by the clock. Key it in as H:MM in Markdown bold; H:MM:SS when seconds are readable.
**8:16:56**
